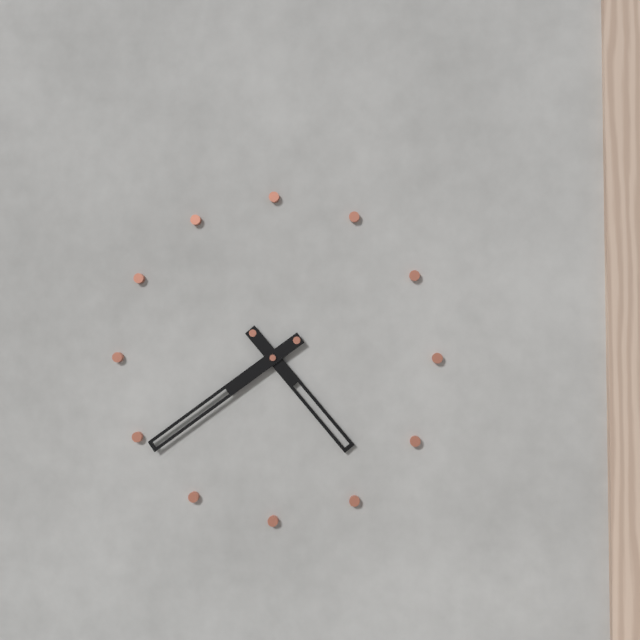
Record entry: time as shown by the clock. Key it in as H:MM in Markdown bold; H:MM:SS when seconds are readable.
**4:39**
